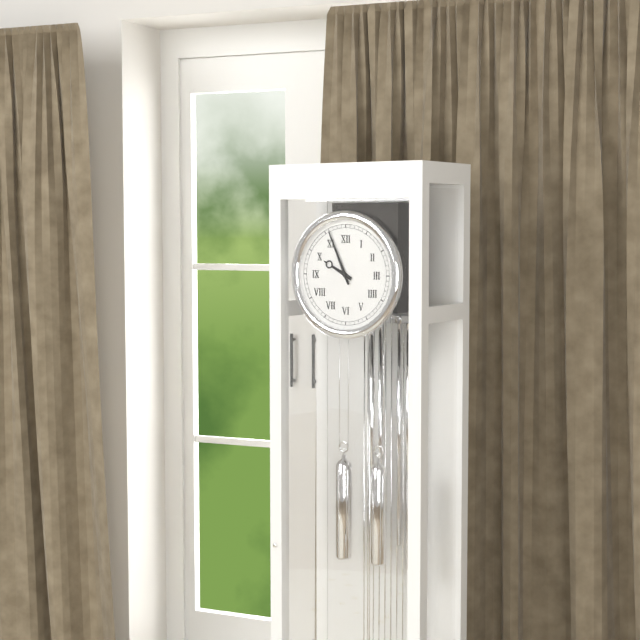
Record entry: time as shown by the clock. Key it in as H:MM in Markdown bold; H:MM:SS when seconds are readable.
**9:56**
